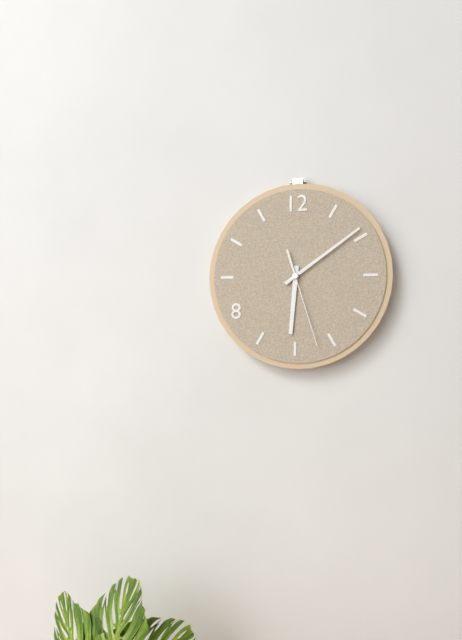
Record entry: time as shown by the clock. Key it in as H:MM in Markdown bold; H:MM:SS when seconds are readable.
**6:09:27**
